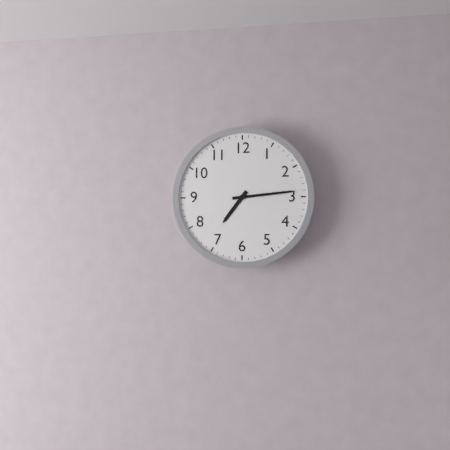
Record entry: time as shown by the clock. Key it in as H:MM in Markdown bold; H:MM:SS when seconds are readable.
**7:14**
